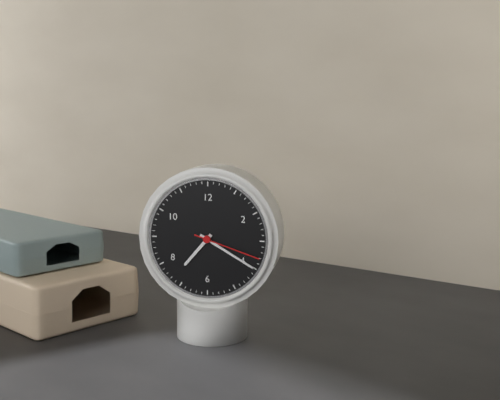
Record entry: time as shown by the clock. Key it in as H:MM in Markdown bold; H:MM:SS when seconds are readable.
**7:20:18**
